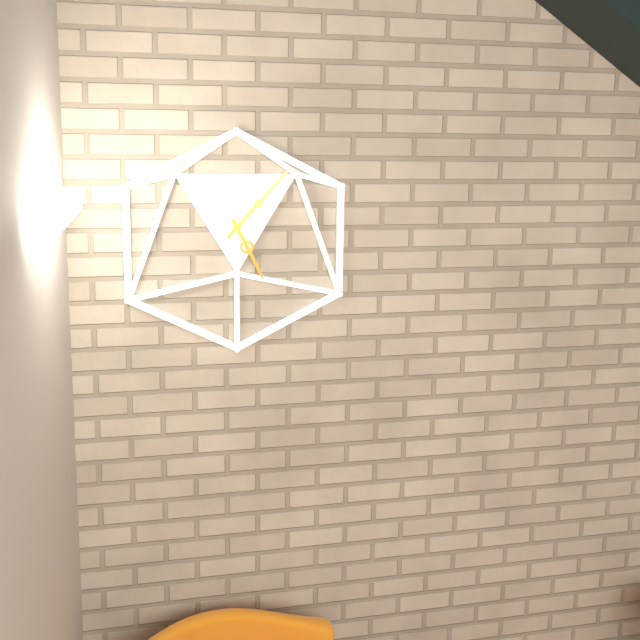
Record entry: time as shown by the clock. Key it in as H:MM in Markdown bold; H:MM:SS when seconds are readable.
**5:07**
